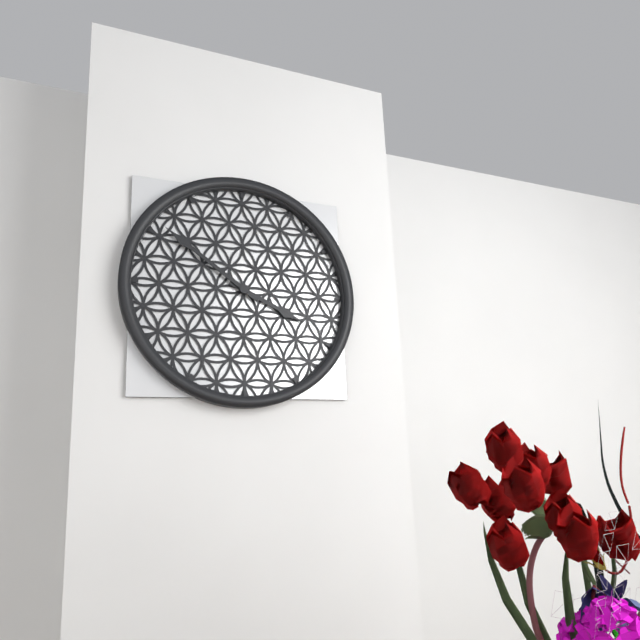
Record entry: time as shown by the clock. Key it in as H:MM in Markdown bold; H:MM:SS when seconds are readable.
**3:51**
